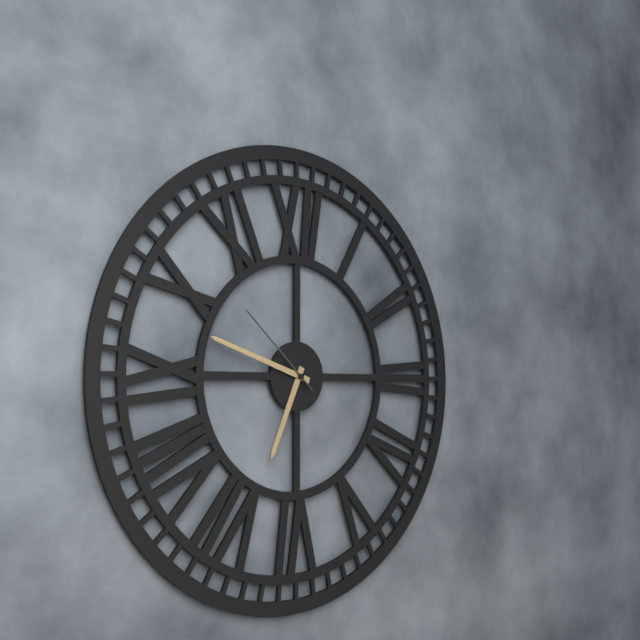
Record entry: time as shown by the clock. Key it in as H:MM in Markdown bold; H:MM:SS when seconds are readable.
**6:48:52**
